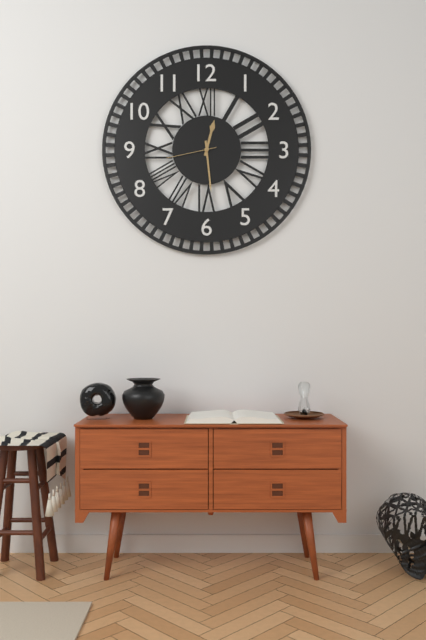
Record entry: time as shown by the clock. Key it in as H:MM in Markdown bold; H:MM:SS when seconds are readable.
**12:29:43**
